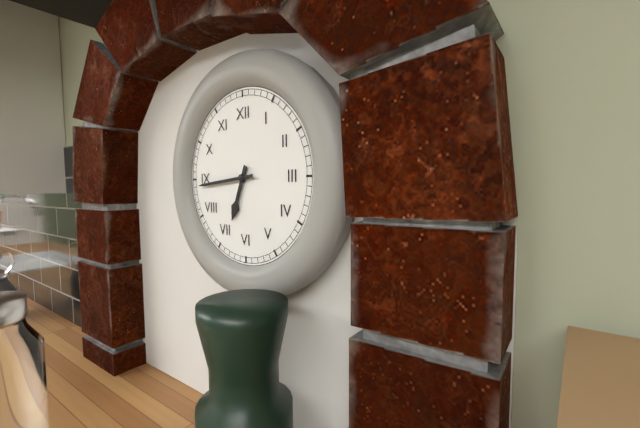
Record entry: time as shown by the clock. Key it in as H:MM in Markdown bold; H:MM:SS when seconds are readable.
**6:44**
